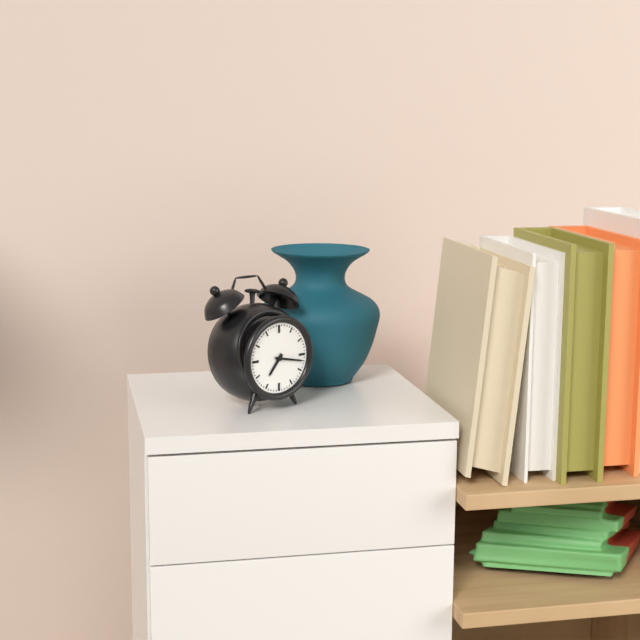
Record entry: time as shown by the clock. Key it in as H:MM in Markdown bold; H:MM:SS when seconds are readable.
**7:17**
